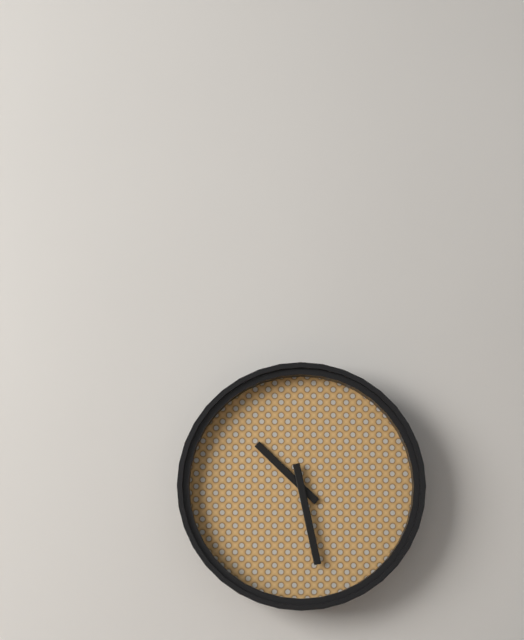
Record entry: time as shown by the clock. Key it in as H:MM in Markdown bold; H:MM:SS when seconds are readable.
**10:28**
